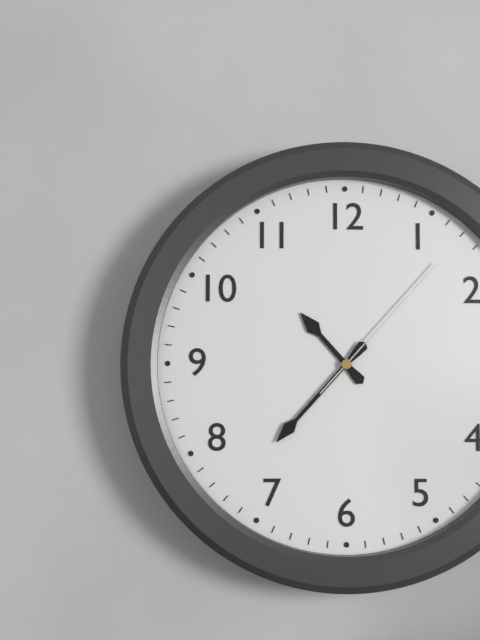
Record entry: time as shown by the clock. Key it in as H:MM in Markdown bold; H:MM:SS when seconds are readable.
**10:37:07**
